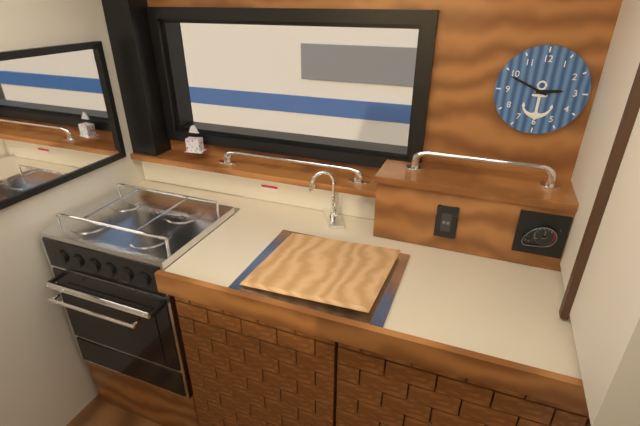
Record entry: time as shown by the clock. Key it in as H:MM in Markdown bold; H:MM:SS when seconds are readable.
**2:49**
